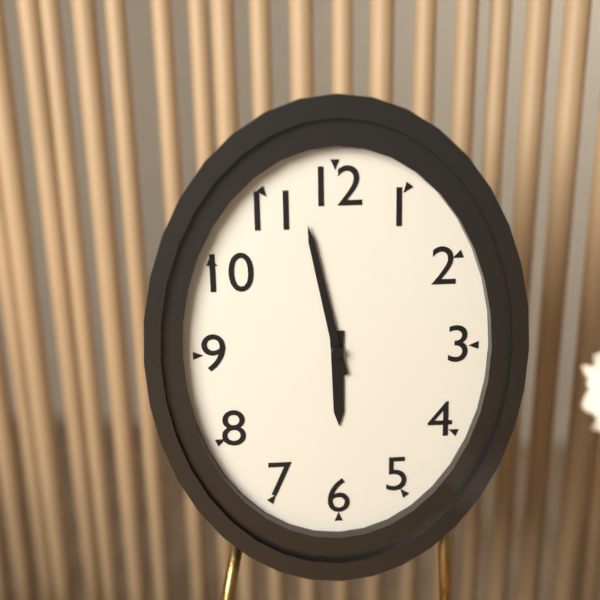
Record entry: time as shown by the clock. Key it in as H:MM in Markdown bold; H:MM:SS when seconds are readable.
**5:58**
